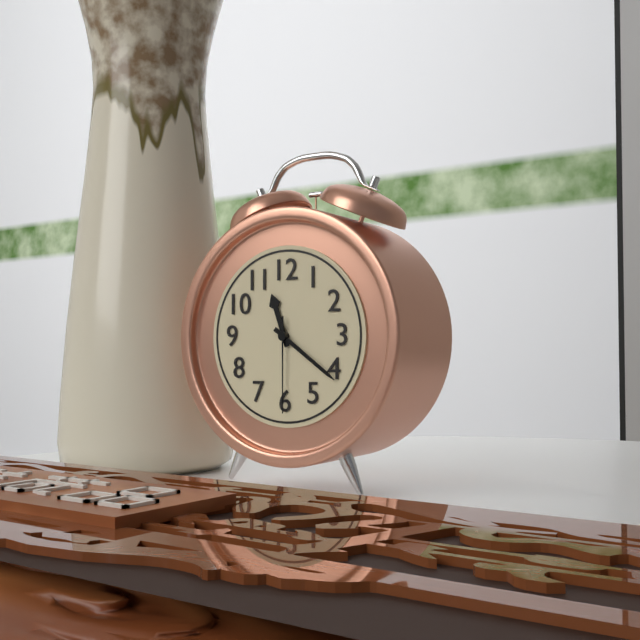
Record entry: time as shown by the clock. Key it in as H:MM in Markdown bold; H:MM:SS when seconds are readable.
**11:21:30**
